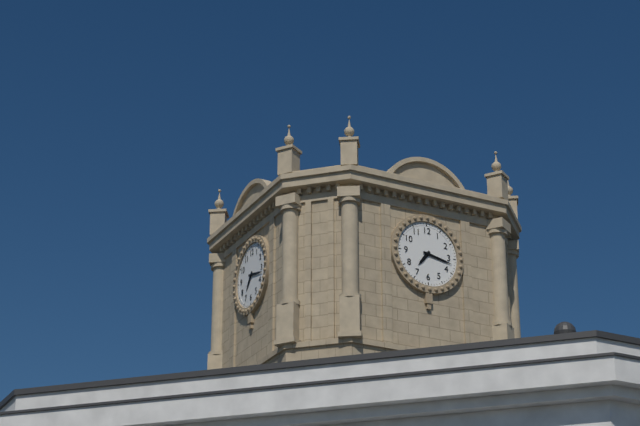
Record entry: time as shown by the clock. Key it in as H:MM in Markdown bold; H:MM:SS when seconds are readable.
**7:17**
